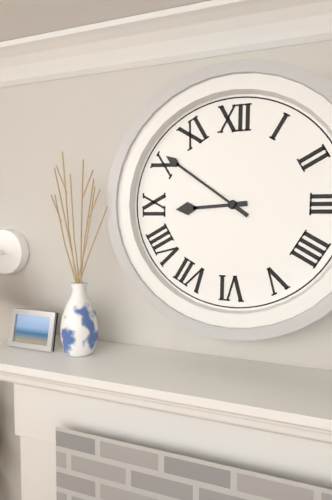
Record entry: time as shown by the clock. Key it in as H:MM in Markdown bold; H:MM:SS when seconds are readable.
**8:51**
